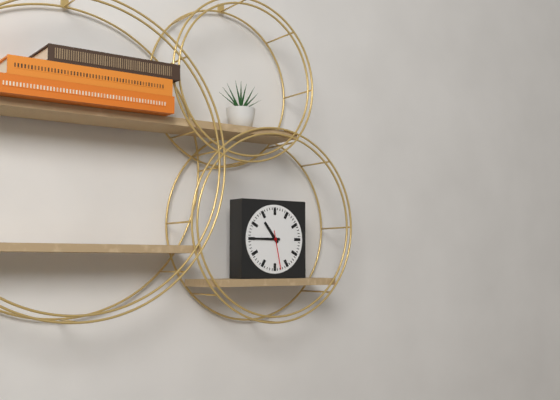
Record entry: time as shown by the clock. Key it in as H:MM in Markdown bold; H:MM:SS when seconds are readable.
**10:45**
